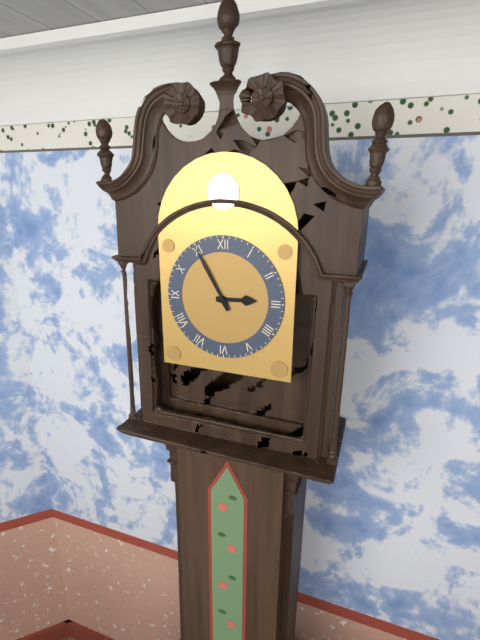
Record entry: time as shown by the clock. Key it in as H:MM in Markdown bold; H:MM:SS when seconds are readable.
**2:55**
